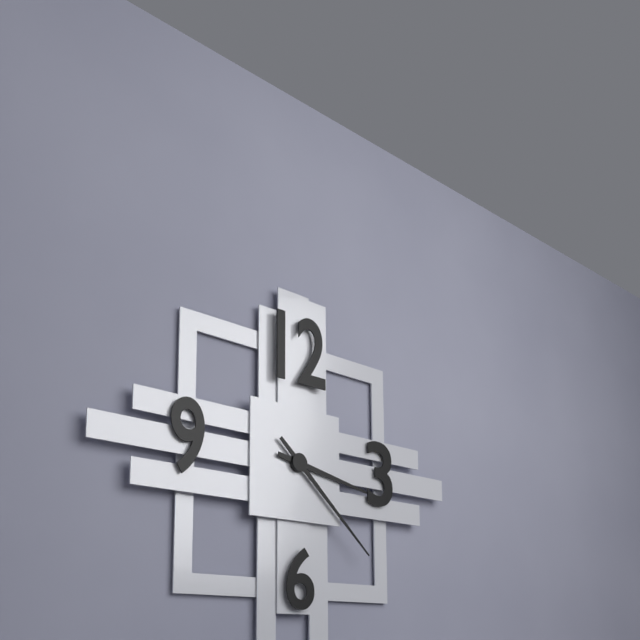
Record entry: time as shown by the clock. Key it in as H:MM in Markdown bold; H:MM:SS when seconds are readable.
**3:22**
